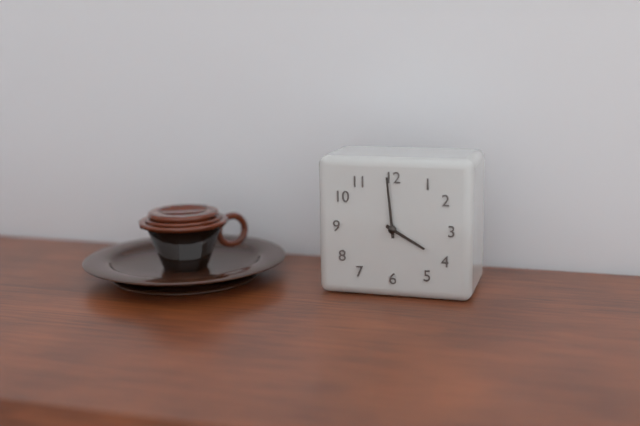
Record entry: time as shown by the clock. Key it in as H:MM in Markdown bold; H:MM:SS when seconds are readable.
**3:59**
